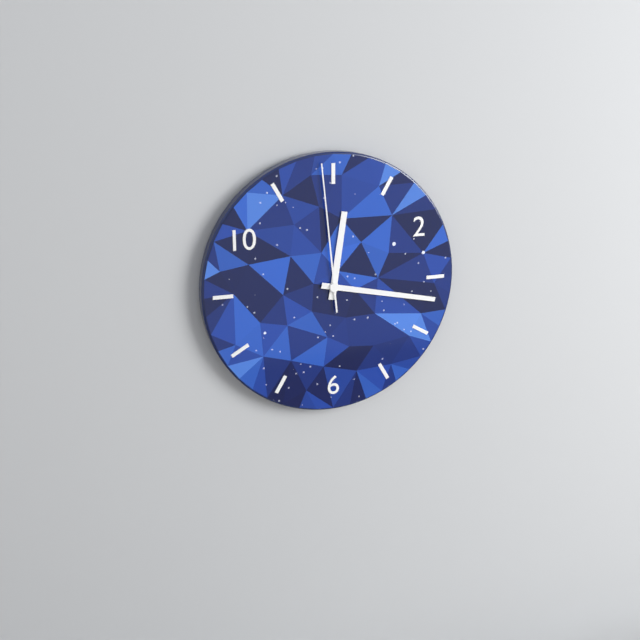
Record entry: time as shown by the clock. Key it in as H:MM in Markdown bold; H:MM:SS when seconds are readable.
**12:17:59**
